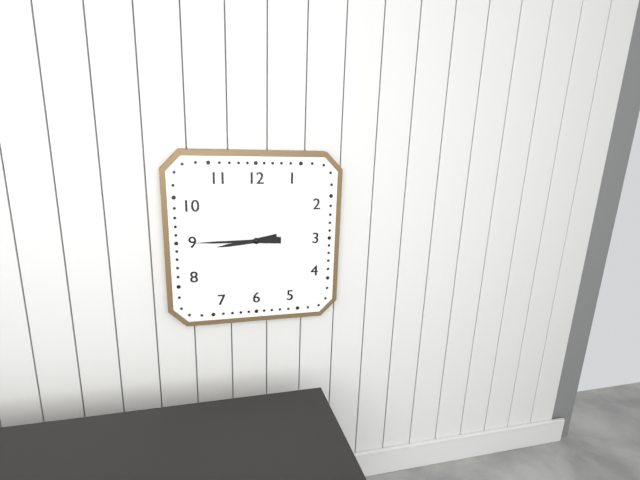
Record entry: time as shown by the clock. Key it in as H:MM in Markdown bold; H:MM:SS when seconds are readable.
**8:45**
